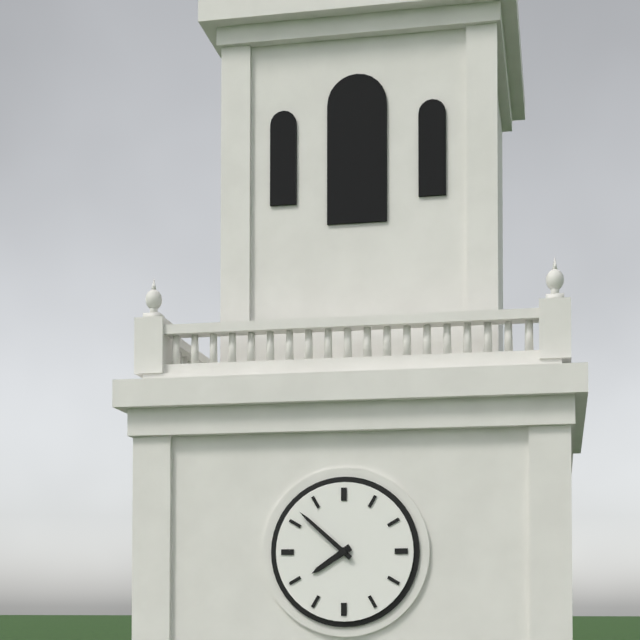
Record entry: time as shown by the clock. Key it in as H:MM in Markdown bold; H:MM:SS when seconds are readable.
**7:52**
